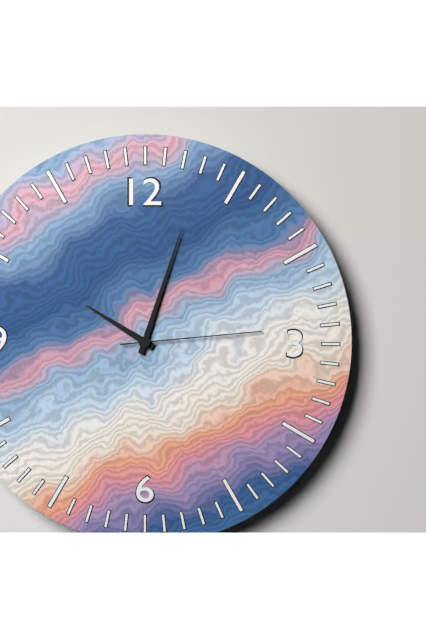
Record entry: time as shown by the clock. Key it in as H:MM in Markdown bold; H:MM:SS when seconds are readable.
**10:03:14**
